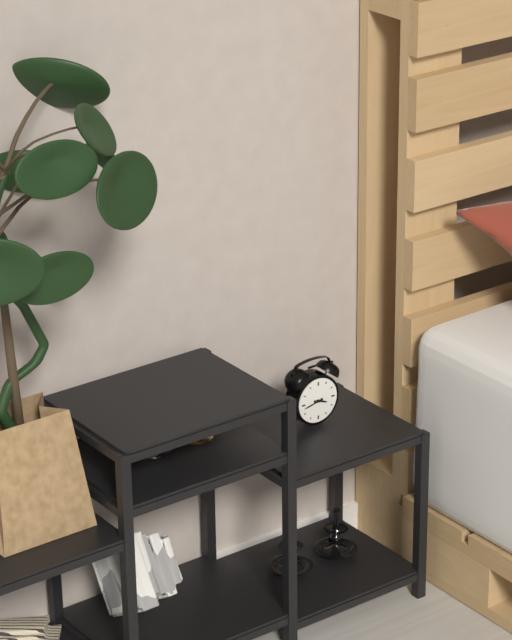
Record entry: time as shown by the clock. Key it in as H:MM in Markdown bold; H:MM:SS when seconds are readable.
**3:43**
